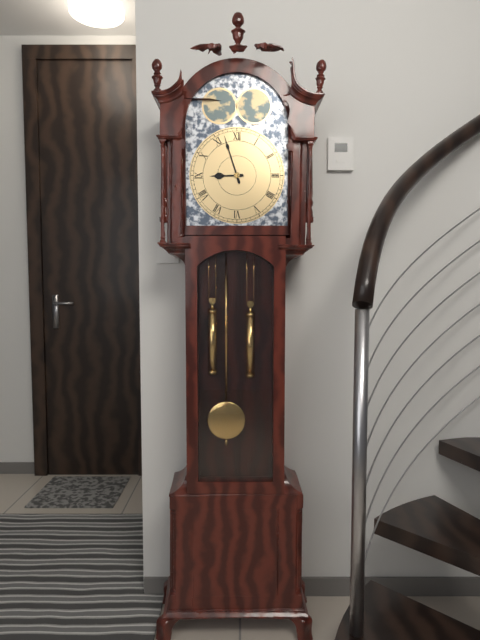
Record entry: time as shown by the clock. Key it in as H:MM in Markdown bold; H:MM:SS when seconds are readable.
**8:57**
